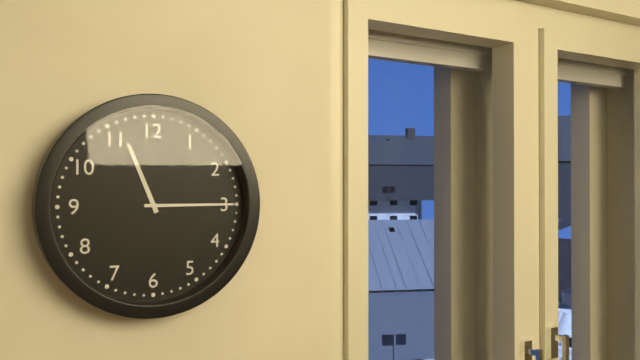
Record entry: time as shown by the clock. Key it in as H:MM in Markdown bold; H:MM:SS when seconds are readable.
**11:15**
